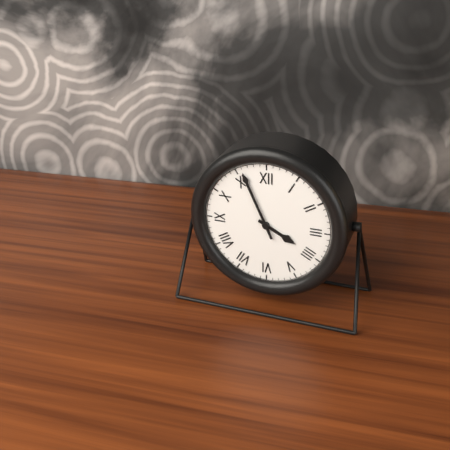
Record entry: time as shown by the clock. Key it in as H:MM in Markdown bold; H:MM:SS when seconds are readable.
**3:56**
